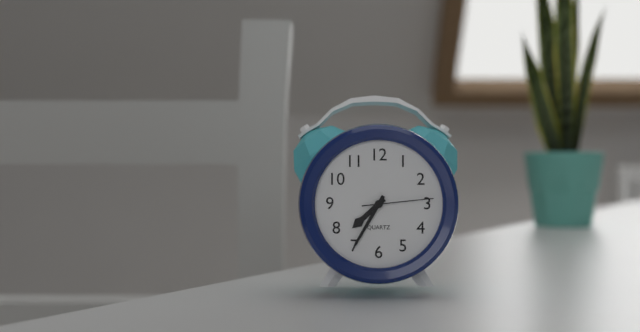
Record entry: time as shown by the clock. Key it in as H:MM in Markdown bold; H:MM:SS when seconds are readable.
**7:35:14**
